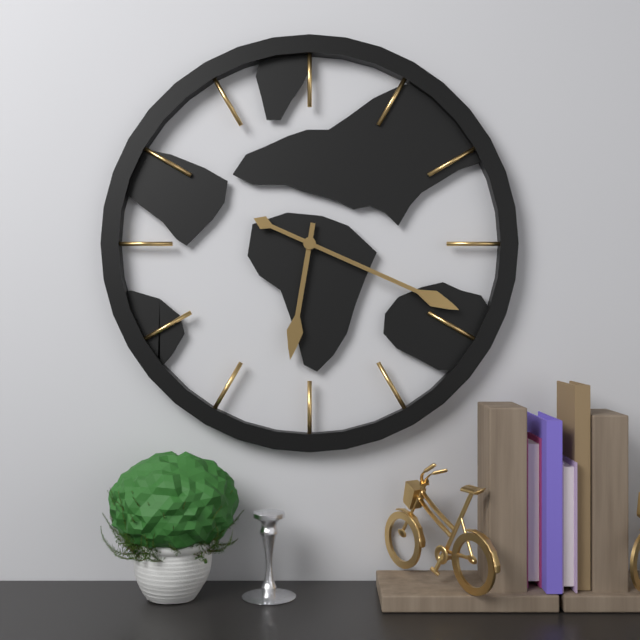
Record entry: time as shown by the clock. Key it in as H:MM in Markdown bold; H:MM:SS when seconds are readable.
**6:19**
